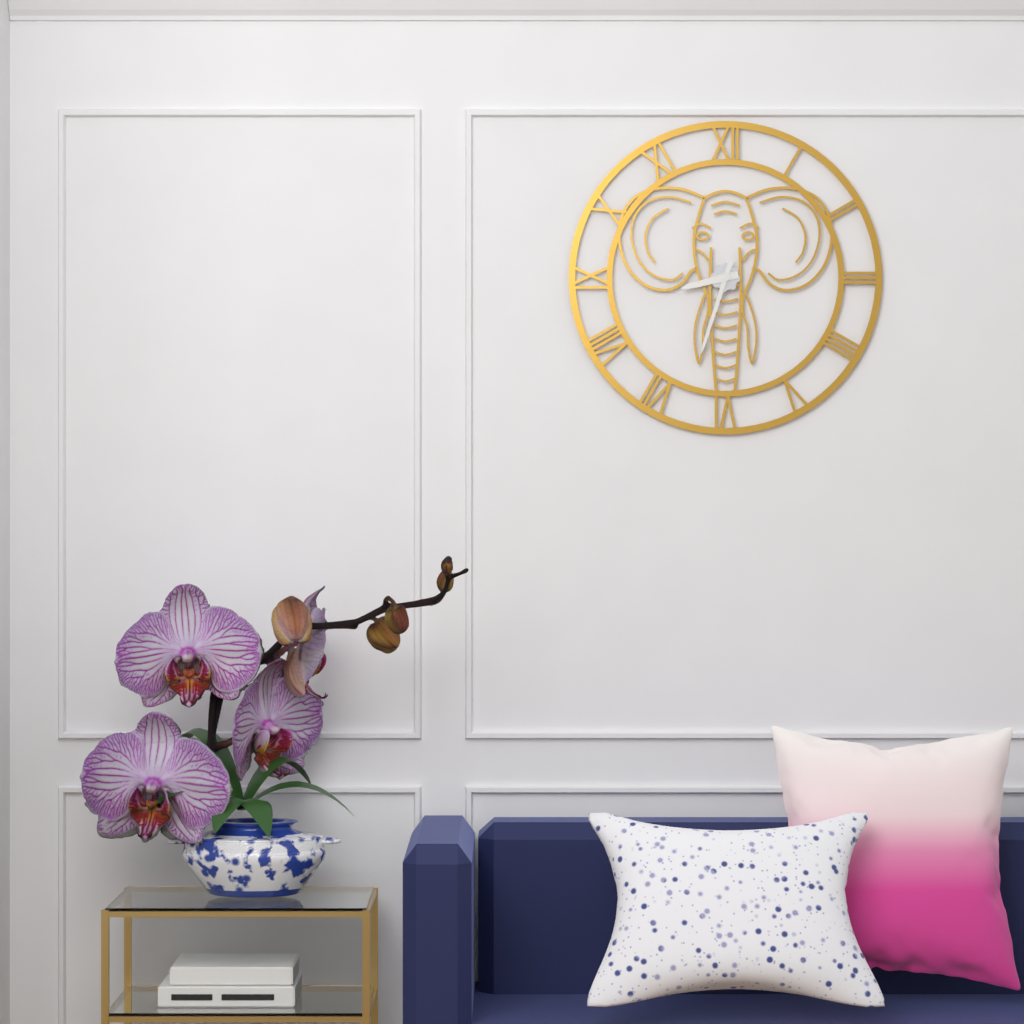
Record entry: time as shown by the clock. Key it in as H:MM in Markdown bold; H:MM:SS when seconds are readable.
**8:33**
